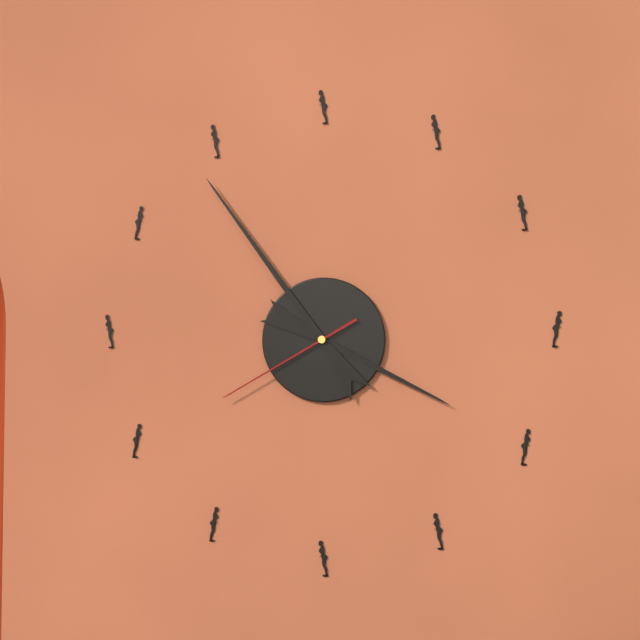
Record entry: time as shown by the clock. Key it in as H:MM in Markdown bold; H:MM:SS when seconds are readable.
**3:54:40**
